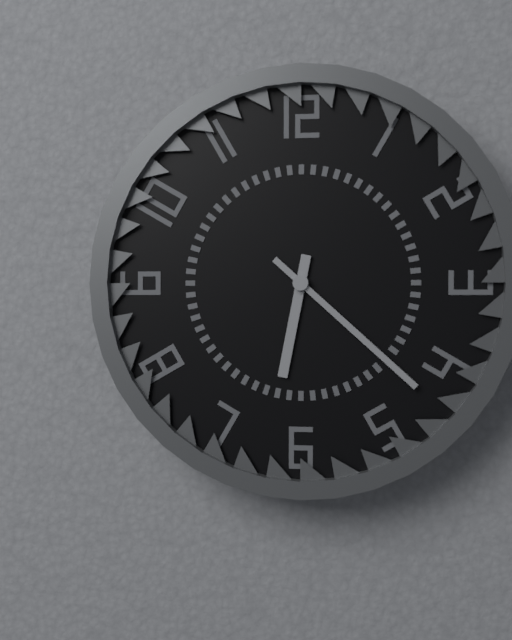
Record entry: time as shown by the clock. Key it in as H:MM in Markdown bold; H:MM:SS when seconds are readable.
**6:22**
